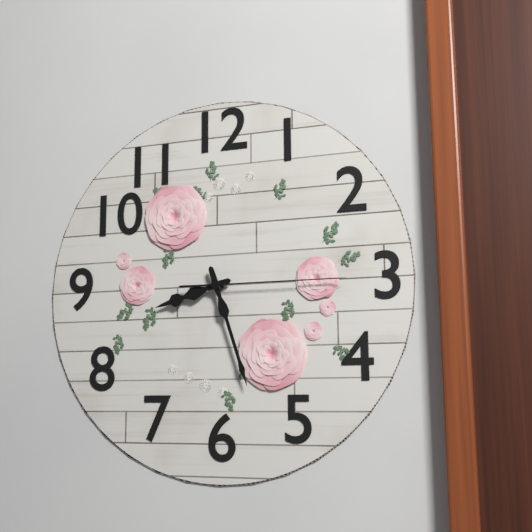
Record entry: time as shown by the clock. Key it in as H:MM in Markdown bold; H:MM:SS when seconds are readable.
**8:27:15**
